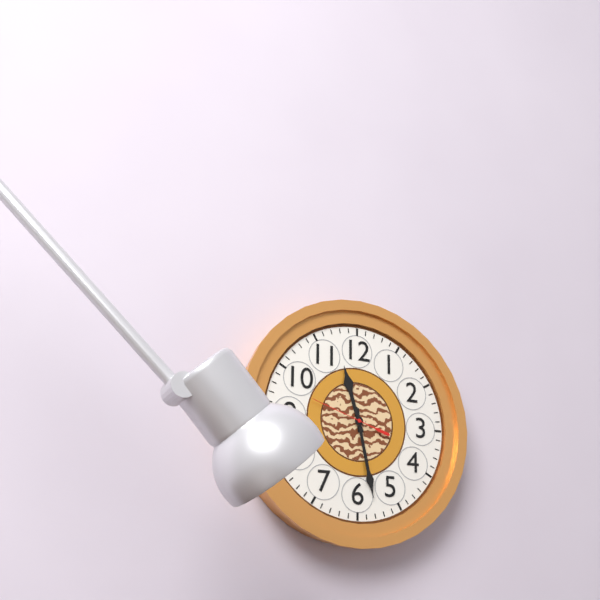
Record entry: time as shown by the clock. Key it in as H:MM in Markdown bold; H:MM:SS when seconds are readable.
**11:28:48**
